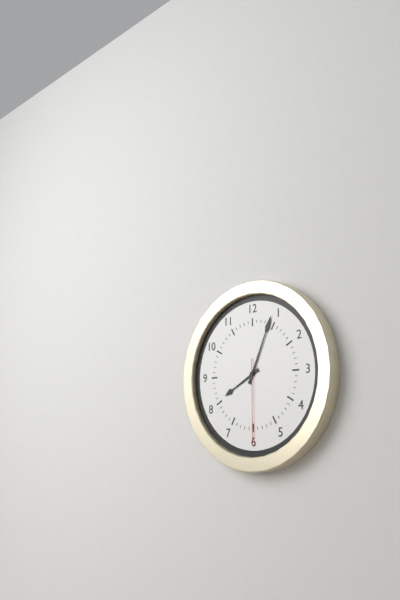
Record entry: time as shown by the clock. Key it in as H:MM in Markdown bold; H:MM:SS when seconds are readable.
**8:04:30**
